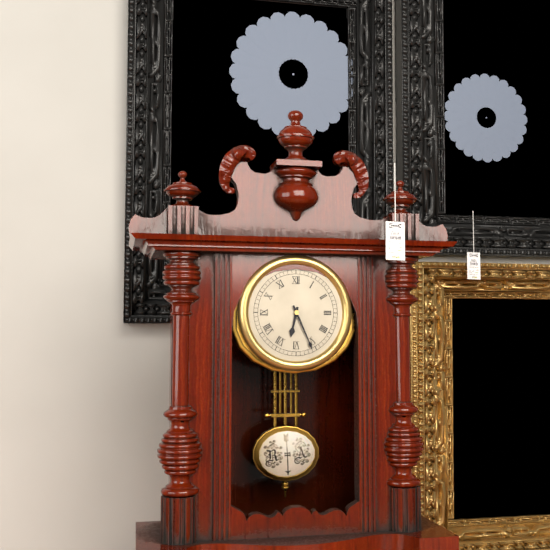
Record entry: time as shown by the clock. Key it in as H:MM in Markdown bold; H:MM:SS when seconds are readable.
**6:26**
